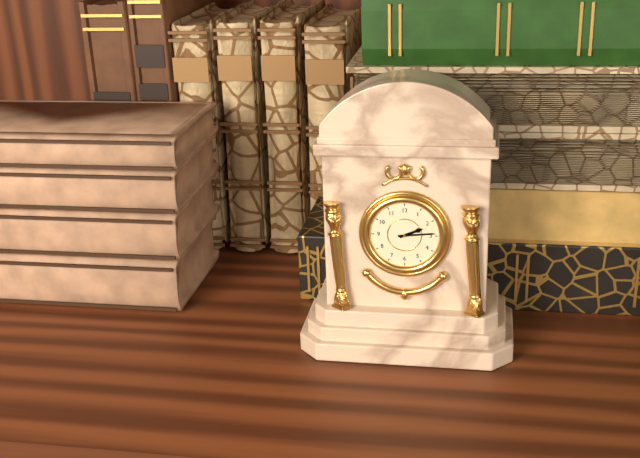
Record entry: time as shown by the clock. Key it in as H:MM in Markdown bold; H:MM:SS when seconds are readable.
**2:14**
